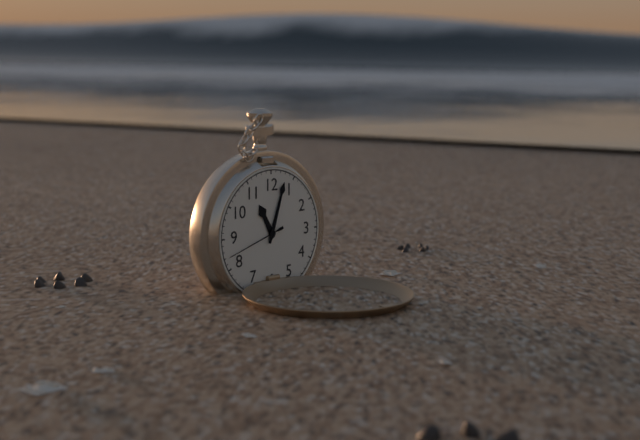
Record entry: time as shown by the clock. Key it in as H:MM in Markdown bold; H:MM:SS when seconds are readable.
**11:03:42**
